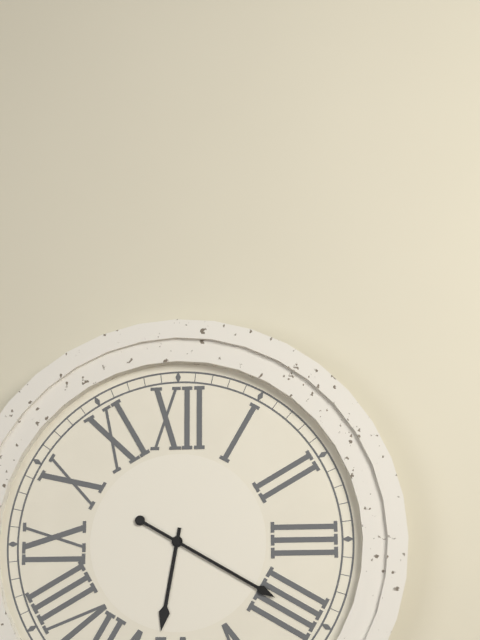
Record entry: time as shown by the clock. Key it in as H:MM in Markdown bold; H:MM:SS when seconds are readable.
**6:20**
